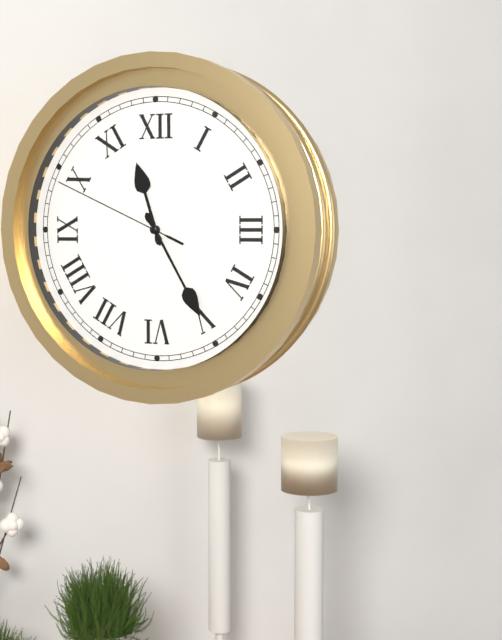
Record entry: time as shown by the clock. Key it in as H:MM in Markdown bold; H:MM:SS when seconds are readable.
**11:25:49**
